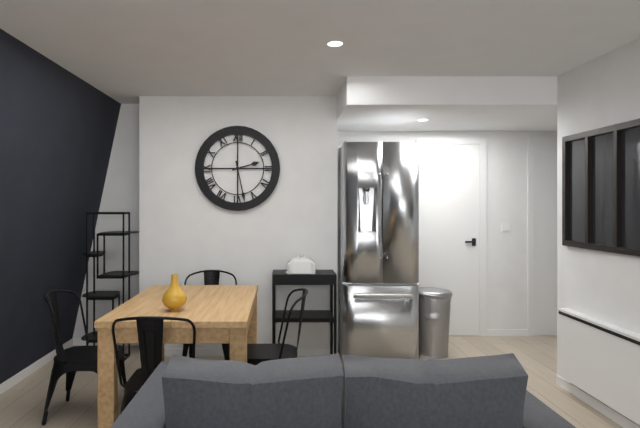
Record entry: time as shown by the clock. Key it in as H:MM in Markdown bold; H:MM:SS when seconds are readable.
**2:28**
